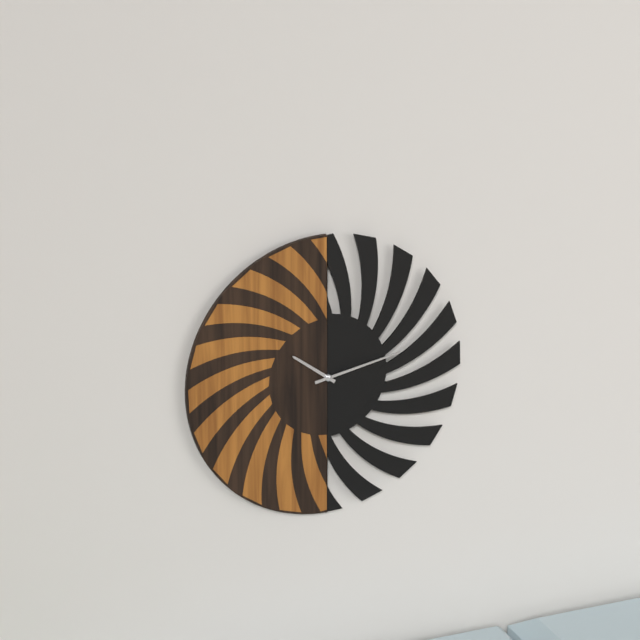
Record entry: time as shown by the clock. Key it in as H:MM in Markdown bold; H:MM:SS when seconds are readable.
**10:13**
